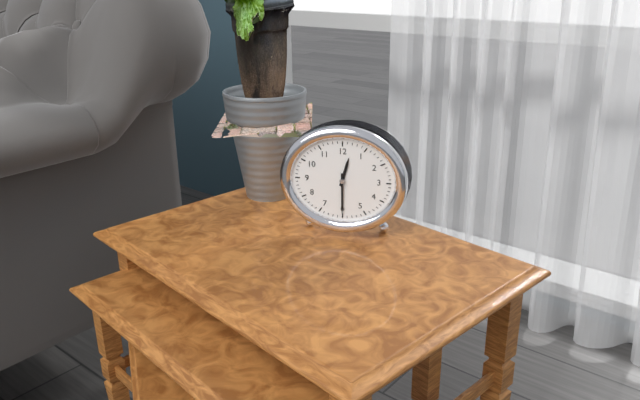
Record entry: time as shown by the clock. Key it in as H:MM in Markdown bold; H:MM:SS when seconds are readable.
**12:30**
